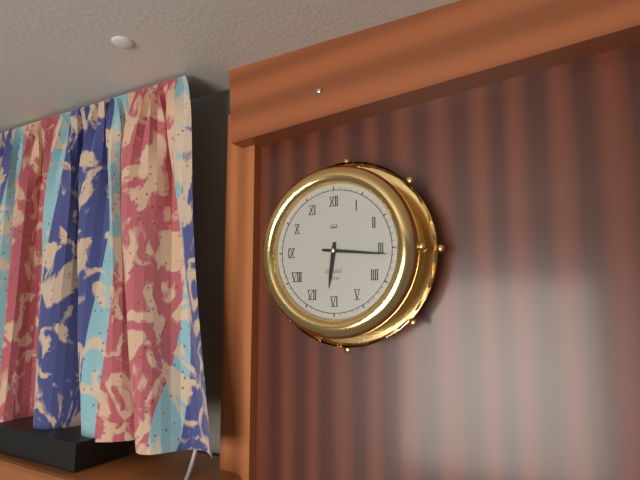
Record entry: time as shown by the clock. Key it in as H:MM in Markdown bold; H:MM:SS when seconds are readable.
**6:16**
